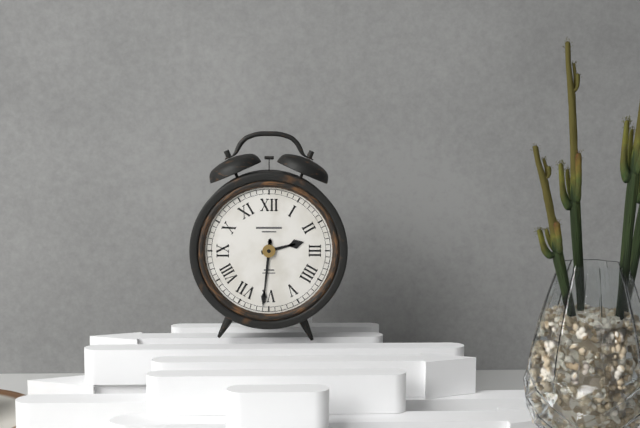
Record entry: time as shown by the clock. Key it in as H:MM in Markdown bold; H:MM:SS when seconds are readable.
**2:31**
